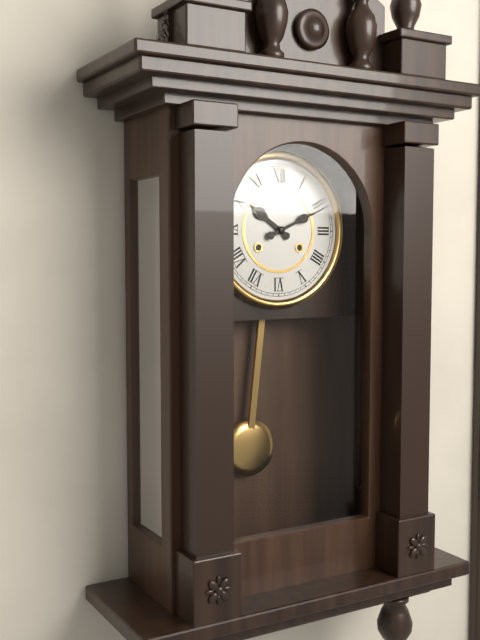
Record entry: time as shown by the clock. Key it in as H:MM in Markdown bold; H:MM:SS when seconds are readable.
**10:11**
